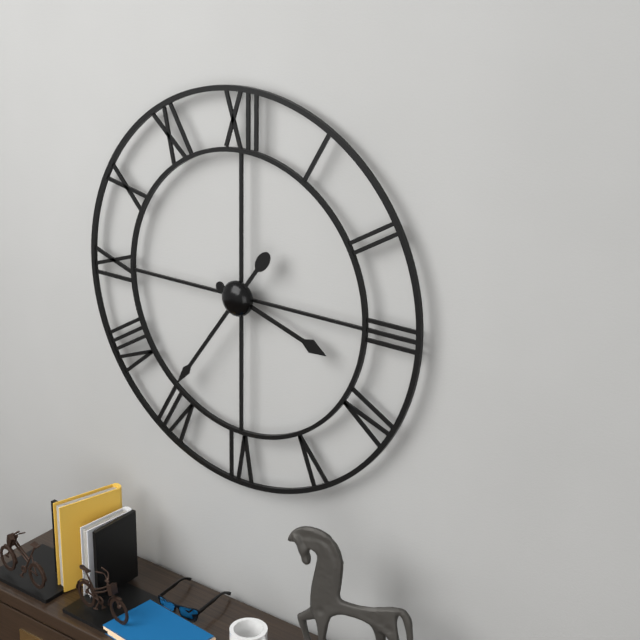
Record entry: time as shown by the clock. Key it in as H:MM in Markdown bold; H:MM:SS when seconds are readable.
**3:36**
